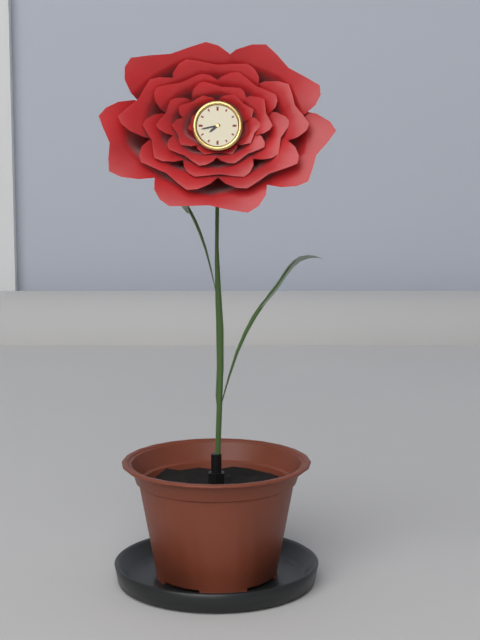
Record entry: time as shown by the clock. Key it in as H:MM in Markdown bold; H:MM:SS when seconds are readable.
**7:43**
